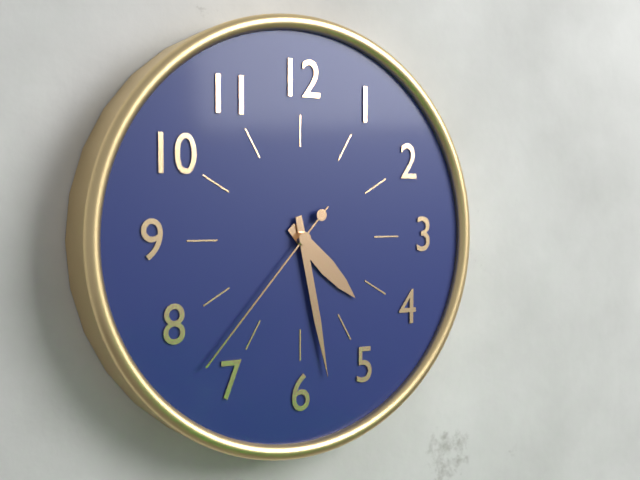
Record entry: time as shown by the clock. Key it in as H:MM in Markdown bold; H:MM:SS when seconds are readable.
**4:28:37**
